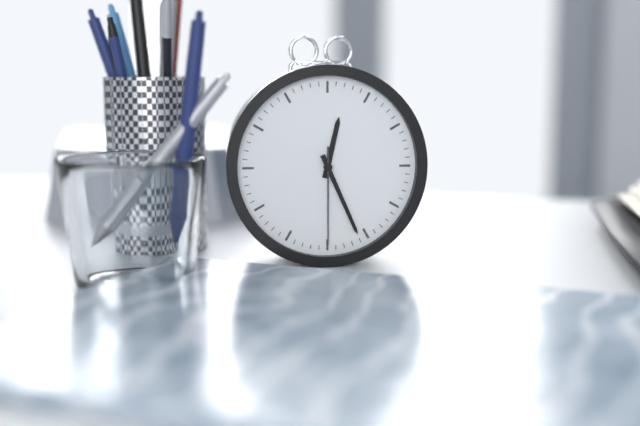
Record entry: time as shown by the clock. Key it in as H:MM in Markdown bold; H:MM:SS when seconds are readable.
**12:26:30**
